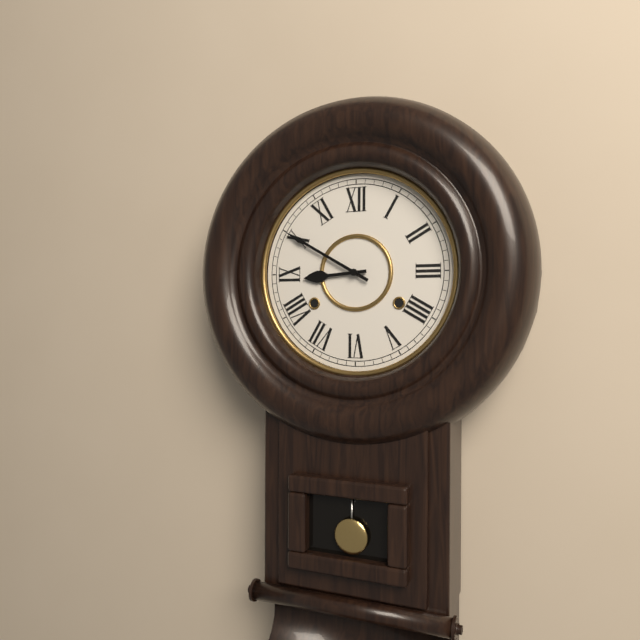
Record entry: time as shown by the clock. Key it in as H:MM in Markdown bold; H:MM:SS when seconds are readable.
**8:50**
